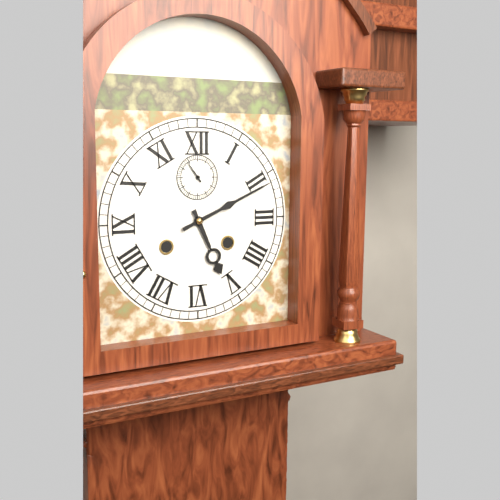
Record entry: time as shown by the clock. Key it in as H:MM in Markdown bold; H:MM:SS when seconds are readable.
**5:11**
